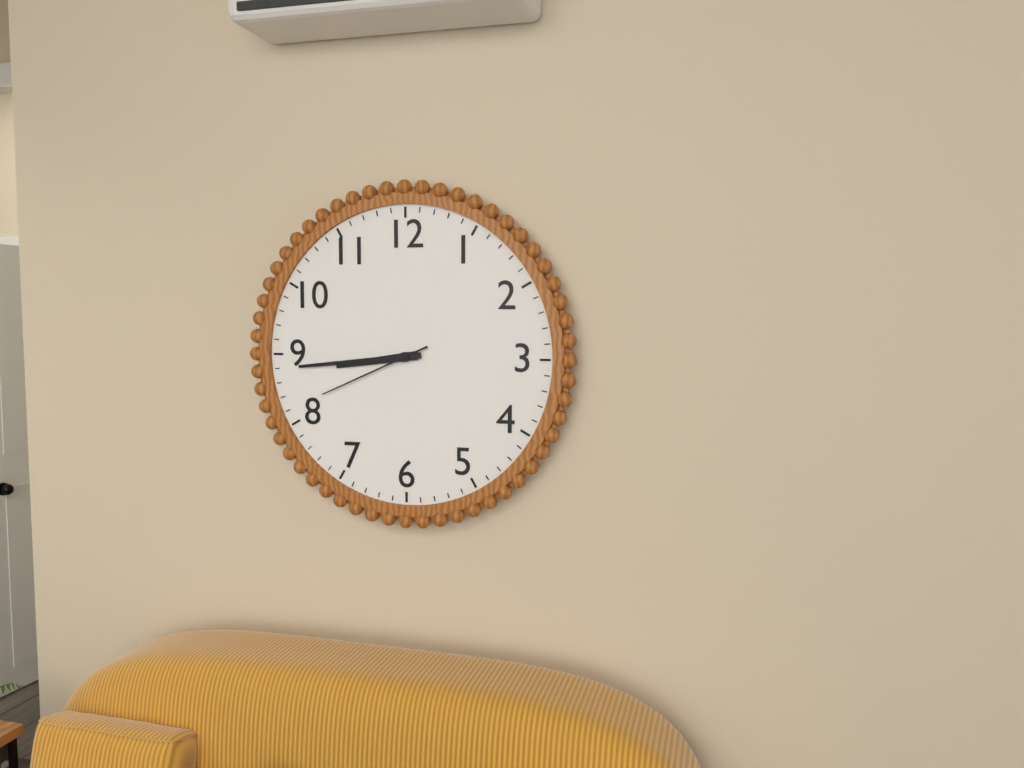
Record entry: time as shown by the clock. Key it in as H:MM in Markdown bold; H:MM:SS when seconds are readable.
**8:44:41**
